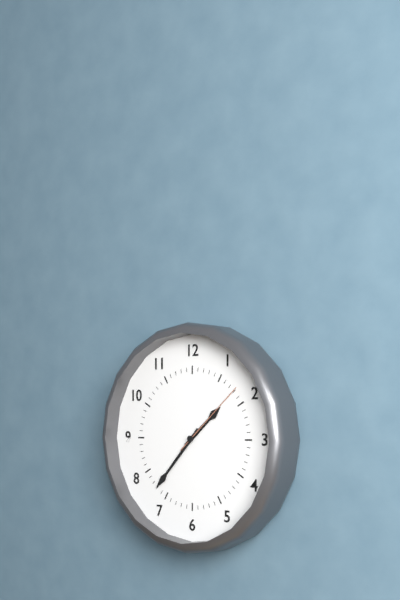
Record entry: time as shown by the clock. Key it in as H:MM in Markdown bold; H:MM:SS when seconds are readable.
**1:37:08**
